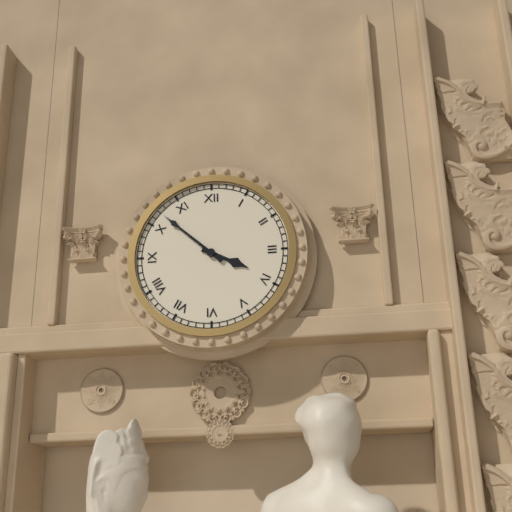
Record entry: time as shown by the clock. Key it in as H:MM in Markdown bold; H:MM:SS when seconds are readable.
**3:52**
